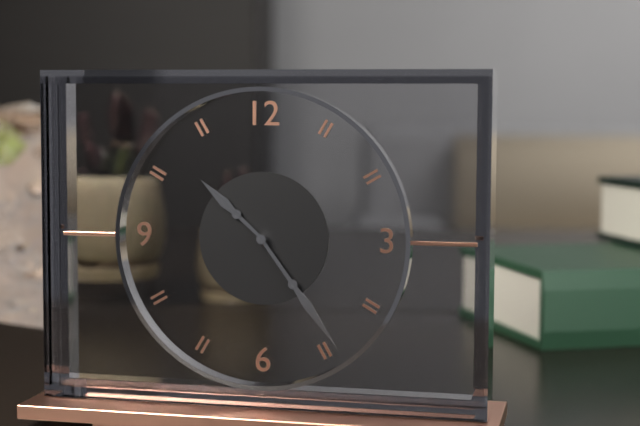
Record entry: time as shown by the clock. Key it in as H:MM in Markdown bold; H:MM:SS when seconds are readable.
**10:24**
